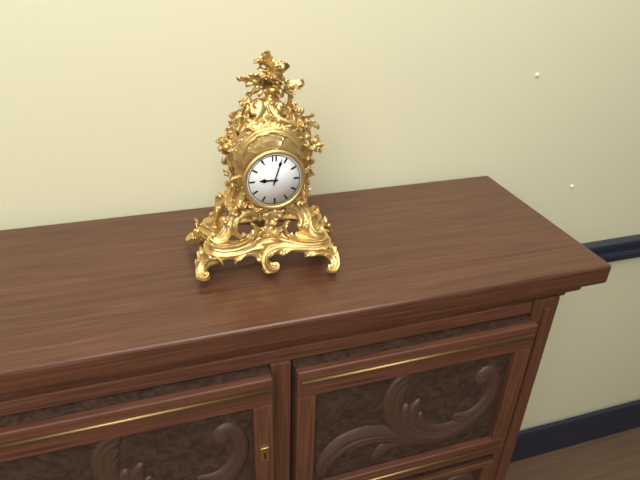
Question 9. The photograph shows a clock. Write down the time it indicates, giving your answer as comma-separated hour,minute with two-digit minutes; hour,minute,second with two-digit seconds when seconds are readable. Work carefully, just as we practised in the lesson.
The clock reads 9,03
